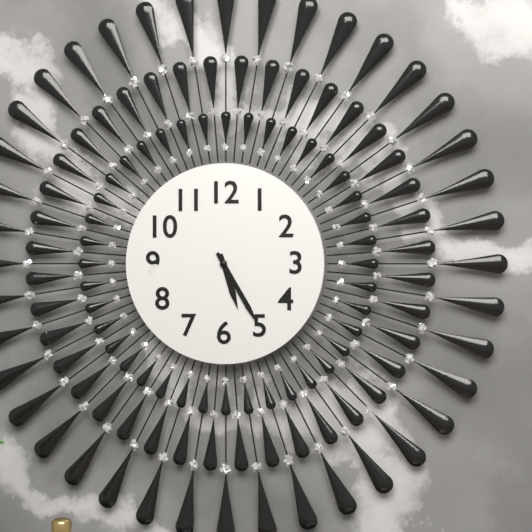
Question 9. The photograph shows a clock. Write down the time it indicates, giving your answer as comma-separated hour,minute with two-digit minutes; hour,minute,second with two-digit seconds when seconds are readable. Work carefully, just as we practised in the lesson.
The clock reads 5,25
